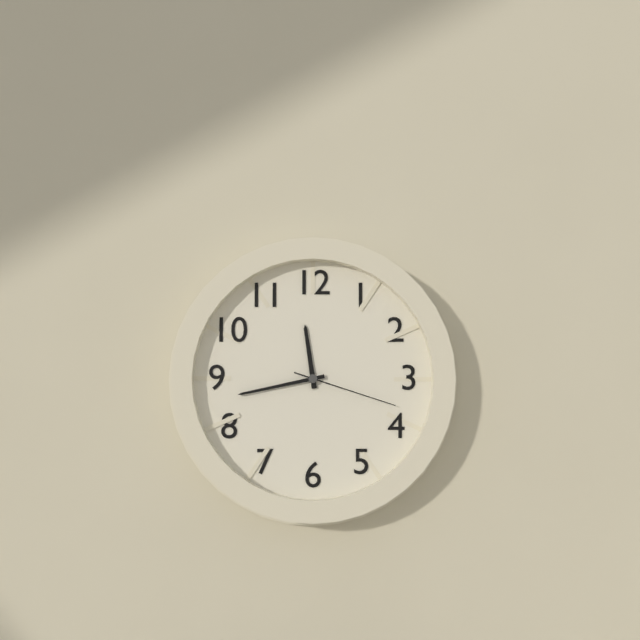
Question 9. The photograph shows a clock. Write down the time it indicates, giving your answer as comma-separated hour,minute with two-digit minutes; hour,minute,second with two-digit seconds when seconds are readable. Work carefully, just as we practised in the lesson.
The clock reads 11,43,18
